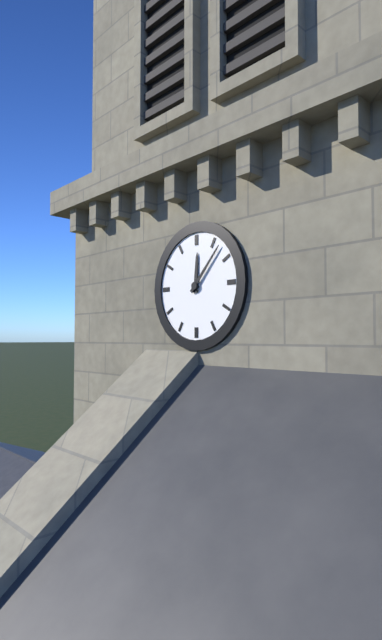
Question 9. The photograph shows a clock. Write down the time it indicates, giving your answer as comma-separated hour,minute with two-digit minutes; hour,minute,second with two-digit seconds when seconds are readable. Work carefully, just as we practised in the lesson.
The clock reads 12,07
